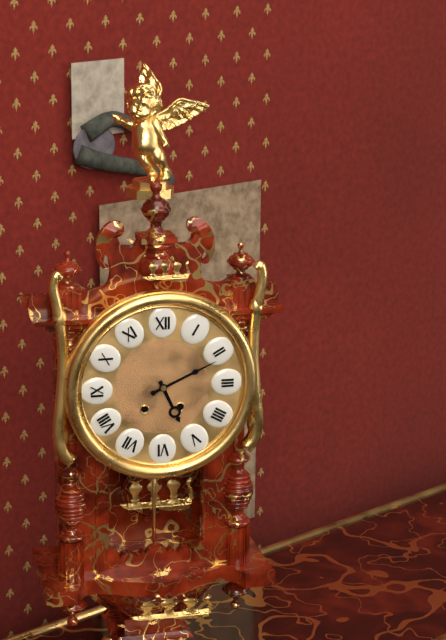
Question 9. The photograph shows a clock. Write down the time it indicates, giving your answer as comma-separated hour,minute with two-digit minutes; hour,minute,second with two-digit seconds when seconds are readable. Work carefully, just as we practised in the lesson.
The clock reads 5,11
